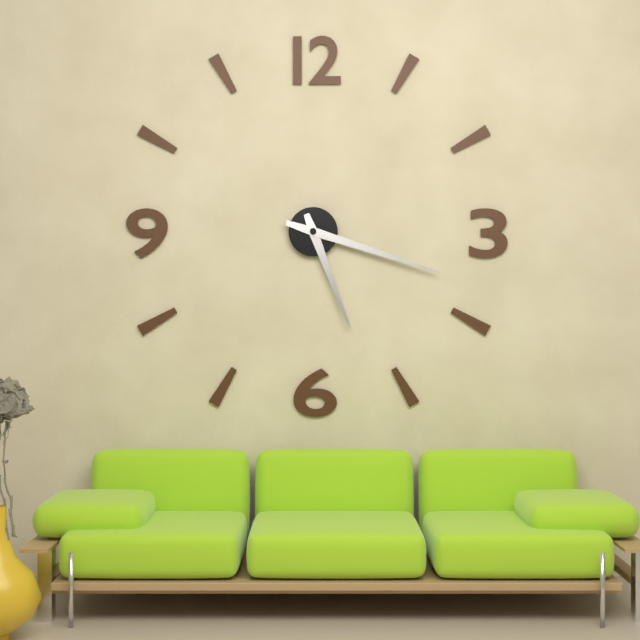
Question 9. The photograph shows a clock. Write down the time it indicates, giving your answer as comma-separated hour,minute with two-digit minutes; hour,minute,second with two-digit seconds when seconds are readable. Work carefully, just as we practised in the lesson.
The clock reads 5,18
